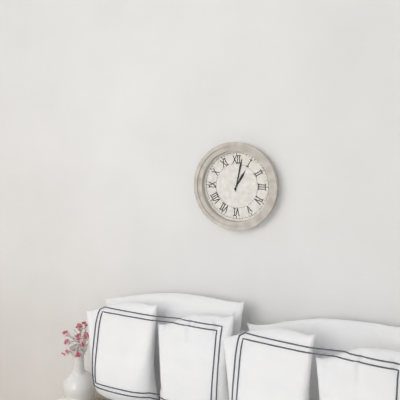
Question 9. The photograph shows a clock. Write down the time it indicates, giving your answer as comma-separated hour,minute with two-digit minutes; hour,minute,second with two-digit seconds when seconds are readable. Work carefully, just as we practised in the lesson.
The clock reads 1,02
